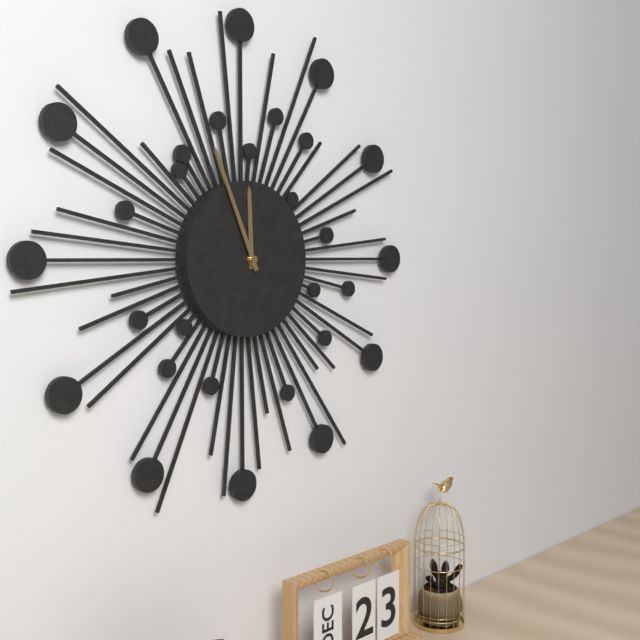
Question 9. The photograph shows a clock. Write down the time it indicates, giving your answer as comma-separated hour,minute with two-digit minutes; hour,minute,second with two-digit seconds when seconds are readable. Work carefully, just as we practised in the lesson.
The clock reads 11,56
